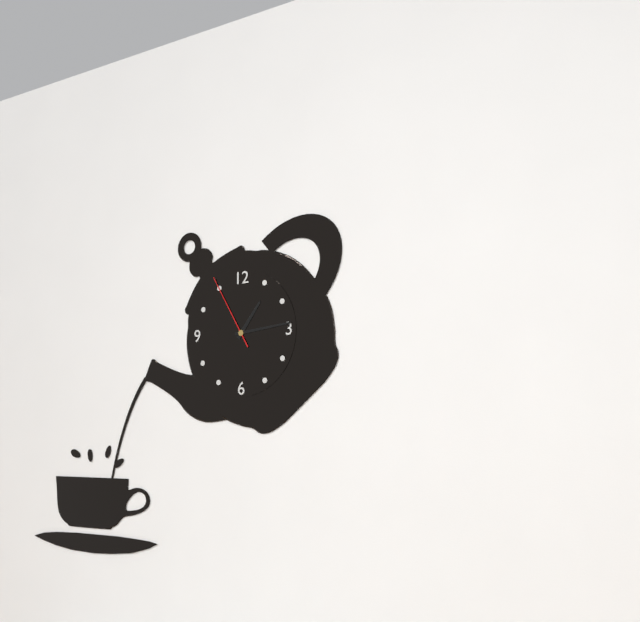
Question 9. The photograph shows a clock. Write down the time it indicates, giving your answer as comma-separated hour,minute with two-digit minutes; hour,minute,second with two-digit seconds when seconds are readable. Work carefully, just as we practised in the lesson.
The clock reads 1,14,55
